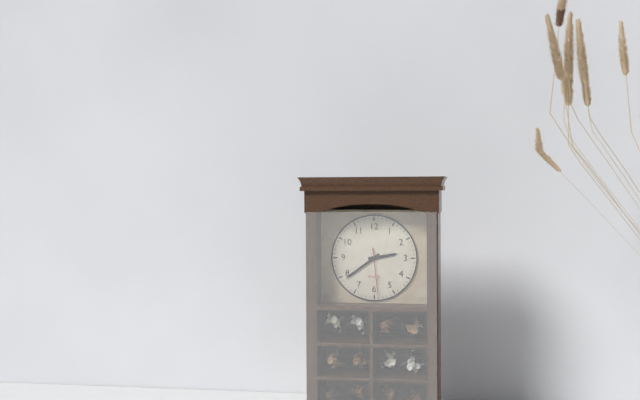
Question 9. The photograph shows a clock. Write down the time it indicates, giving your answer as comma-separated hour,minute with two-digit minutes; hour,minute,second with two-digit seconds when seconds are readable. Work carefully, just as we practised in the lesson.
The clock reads 2,39
